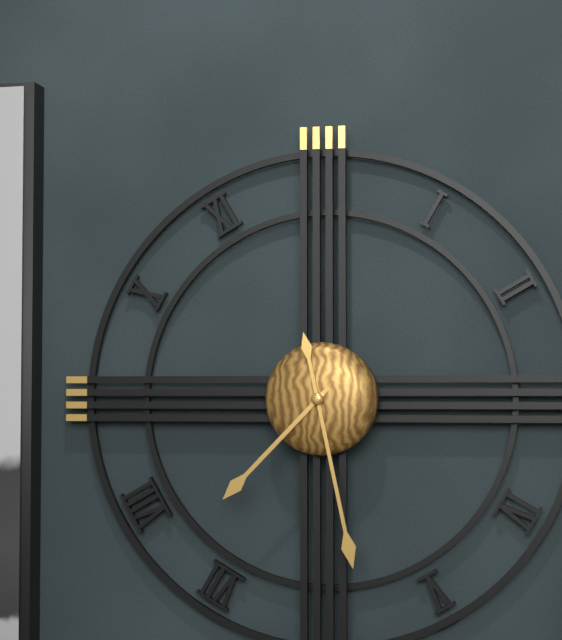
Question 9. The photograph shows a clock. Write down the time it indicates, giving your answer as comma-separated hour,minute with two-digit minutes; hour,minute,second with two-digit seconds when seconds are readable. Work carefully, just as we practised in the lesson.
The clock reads 7,28
